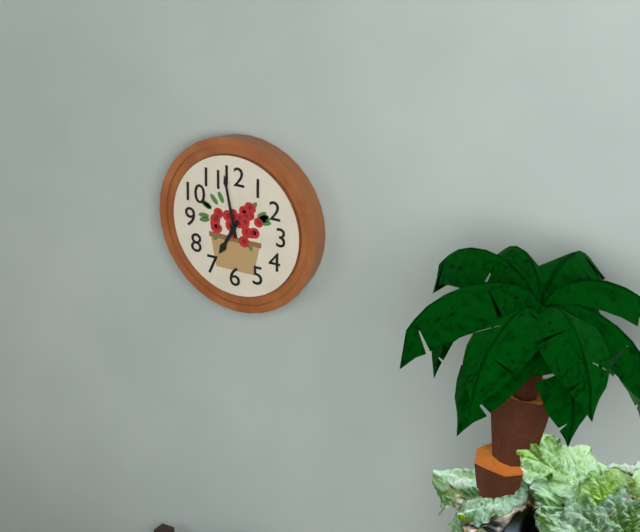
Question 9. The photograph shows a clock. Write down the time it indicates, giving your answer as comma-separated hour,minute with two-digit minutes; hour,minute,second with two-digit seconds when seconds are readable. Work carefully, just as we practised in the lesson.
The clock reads 6,58
